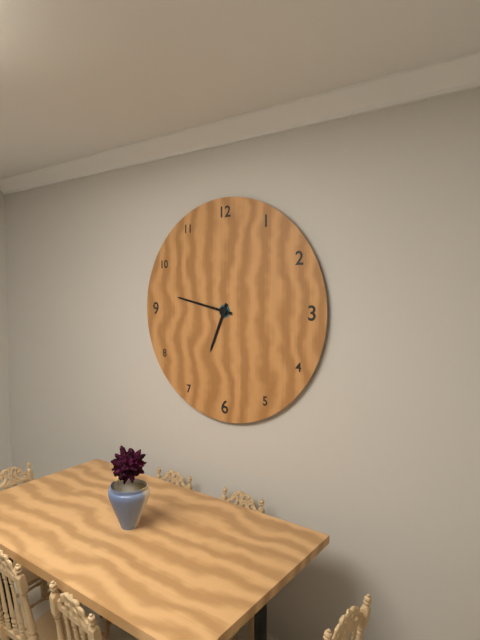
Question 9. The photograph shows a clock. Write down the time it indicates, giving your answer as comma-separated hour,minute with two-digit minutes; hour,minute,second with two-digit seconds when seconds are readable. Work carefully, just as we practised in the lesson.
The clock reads 6,47
